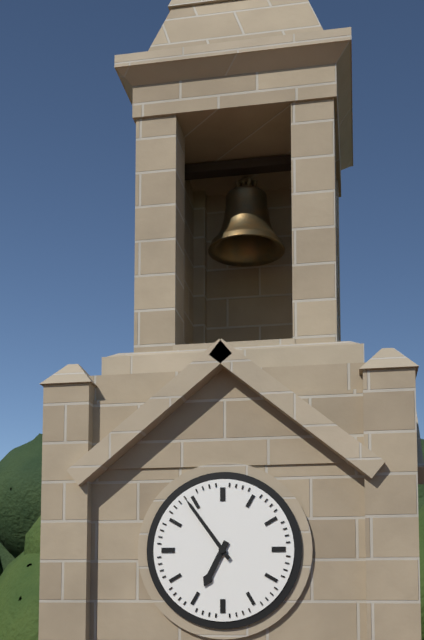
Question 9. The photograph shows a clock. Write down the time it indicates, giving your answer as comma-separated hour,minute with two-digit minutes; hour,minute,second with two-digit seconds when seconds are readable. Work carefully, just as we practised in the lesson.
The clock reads 6,54
